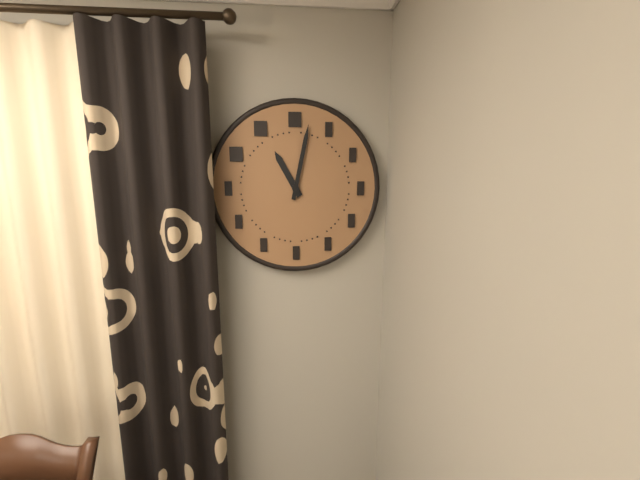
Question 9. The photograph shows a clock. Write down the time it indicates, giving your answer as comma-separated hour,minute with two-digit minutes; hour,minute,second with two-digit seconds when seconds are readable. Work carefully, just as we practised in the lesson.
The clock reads 11,02
